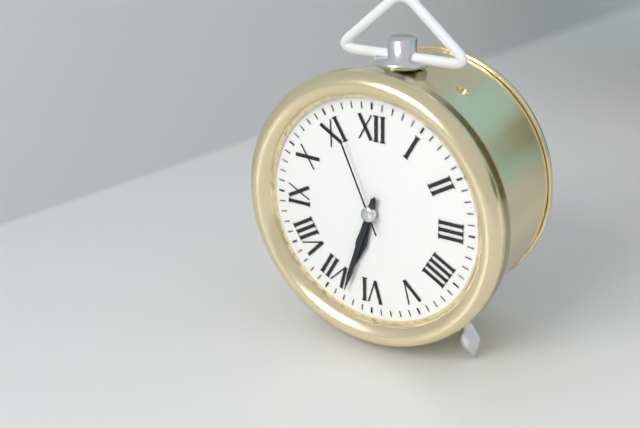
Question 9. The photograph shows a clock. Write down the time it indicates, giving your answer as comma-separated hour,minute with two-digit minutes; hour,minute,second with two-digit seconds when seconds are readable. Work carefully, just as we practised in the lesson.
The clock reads 6,33,56
